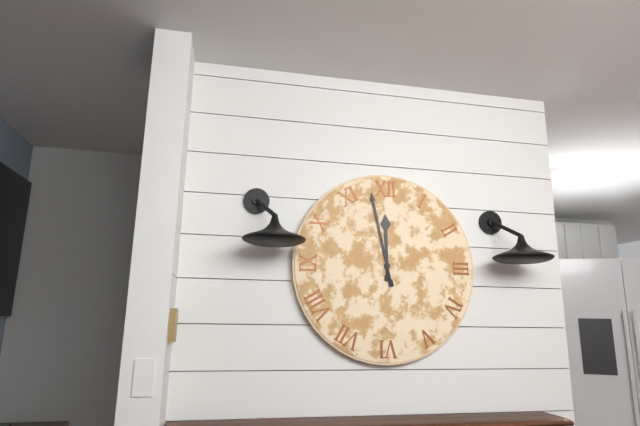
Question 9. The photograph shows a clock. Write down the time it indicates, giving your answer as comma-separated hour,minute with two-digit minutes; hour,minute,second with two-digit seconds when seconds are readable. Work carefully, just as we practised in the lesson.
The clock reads 11,58
